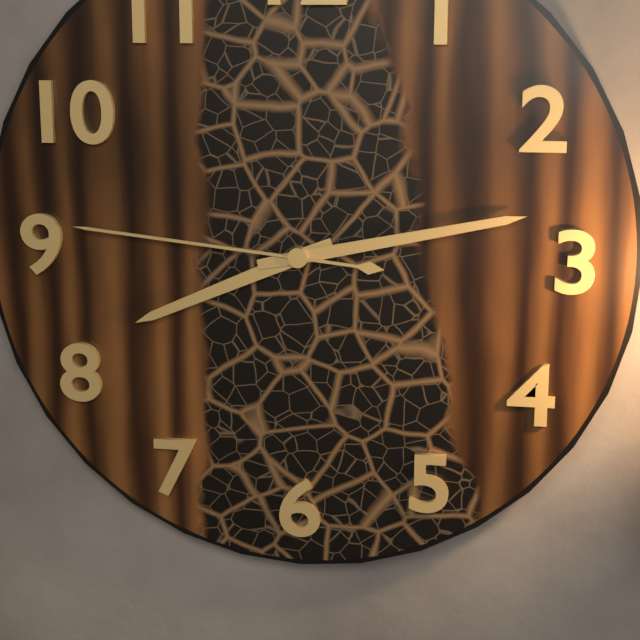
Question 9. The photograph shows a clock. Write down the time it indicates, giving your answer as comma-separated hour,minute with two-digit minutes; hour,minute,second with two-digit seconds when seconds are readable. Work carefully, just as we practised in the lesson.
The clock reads 8,13,46
